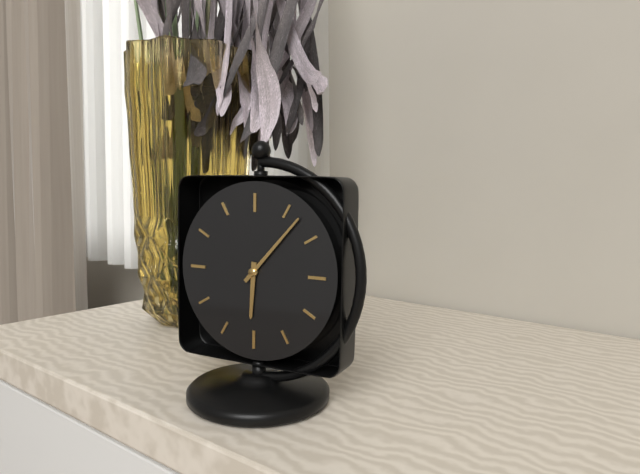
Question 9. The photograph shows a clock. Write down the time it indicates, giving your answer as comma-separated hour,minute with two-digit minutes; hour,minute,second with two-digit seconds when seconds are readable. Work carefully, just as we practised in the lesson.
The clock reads 6,07
